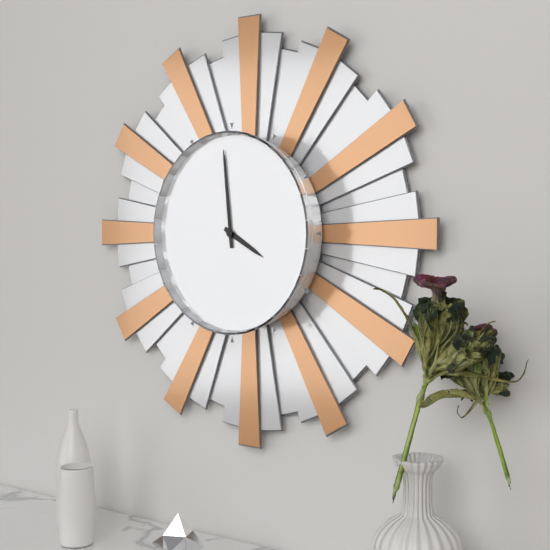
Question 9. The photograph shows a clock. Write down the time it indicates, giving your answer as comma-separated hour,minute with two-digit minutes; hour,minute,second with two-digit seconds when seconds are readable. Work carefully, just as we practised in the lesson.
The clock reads 3,59
